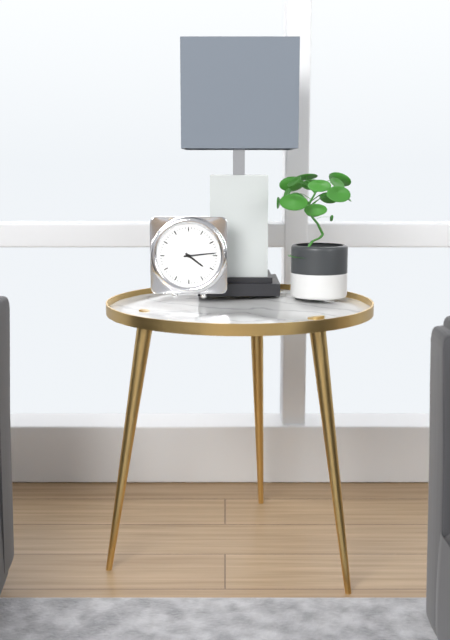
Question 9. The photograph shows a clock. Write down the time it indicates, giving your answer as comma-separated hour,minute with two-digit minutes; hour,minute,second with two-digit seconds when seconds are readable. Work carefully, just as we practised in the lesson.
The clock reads 4,14
